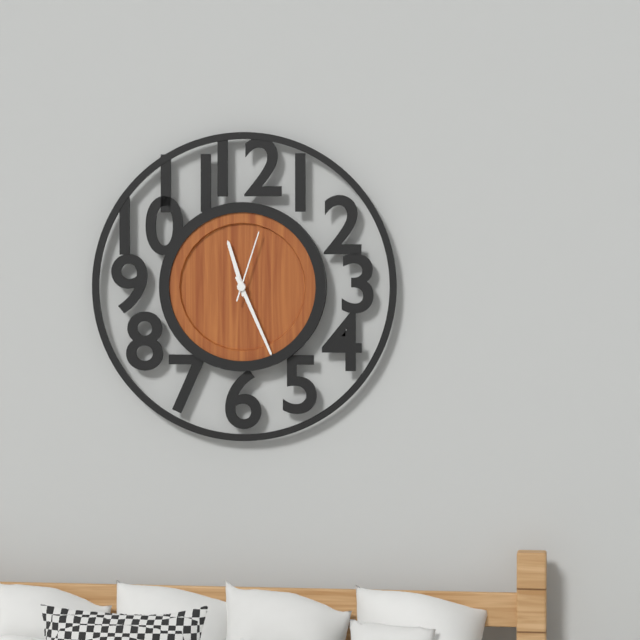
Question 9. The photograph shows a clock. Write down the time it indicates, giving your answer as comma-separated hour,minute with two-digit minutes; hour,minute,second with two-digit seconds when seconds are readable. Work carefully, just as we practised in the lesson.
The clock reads 11,26,03
